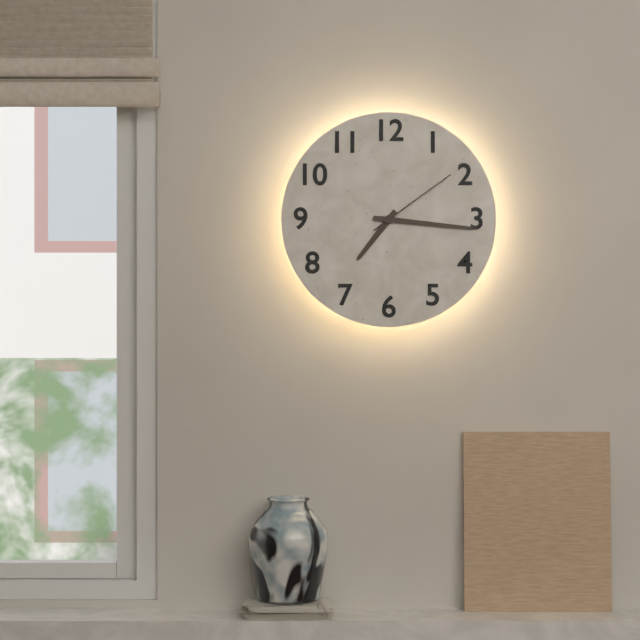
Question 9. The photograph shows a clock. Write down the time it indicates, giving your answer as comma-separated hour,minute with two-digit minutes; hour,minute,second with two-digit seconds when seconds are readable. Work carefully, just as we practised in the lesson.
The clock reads 7,16,09
